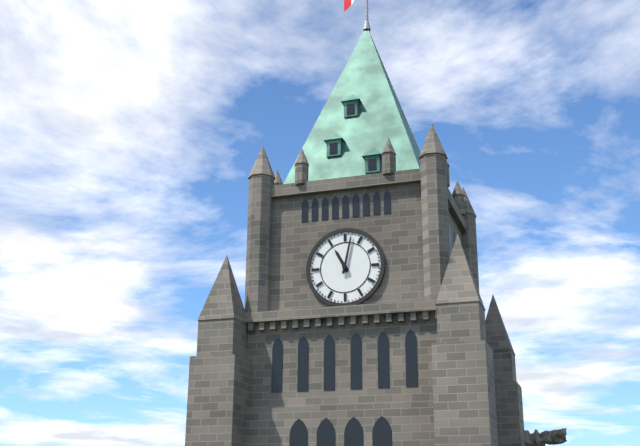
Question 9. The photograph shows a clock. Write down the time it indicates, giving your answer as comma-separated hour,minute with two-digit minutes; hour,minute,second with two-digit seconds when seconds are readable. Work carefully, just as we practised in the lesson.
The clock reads 11,02
